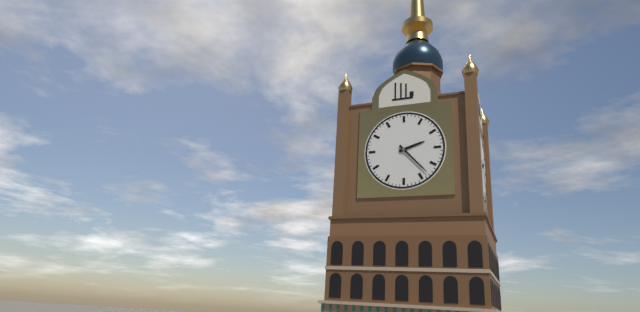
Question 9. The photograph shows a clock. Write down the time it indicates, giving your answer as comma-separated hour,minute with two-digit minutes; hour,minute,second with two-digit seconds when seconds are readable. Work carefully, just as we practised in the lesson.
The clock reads 2,23
